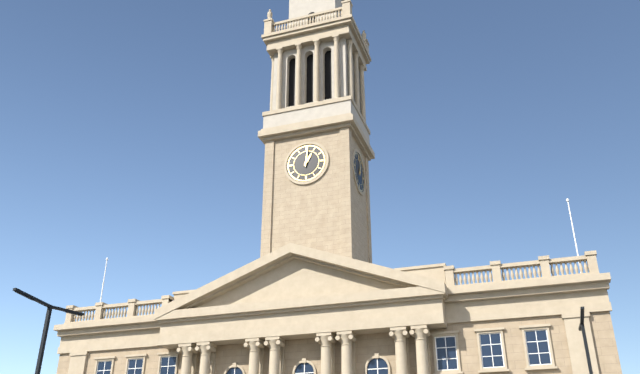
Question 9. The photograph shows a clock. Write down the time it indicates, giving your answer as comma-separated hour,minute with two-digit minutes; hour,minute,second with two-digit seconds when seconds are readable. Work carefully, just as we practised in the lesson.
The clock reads 1,01
